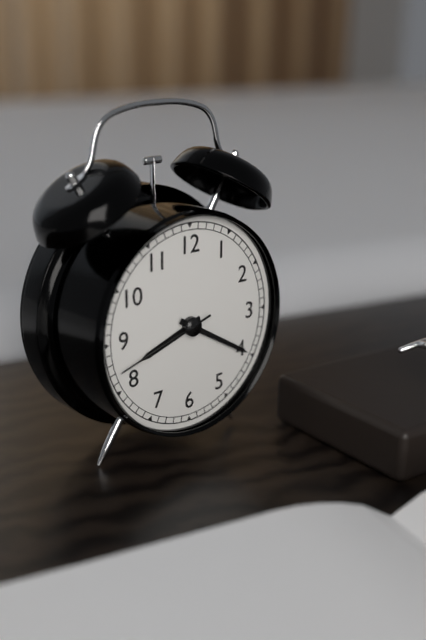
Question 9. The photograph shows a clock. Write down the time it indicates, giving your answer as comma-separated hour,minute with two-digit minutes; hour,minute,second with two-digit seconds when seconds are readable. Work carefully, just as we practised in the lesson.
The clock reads 8,20,42
